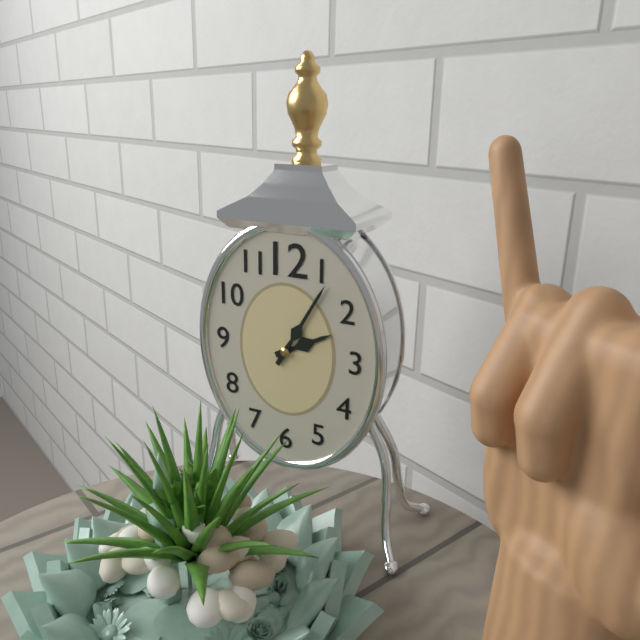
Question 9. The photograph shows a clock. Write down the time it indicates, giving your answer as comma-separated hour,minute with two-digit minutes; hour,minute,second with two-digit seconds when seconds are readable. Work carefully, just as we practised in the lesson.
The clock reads 2,05
